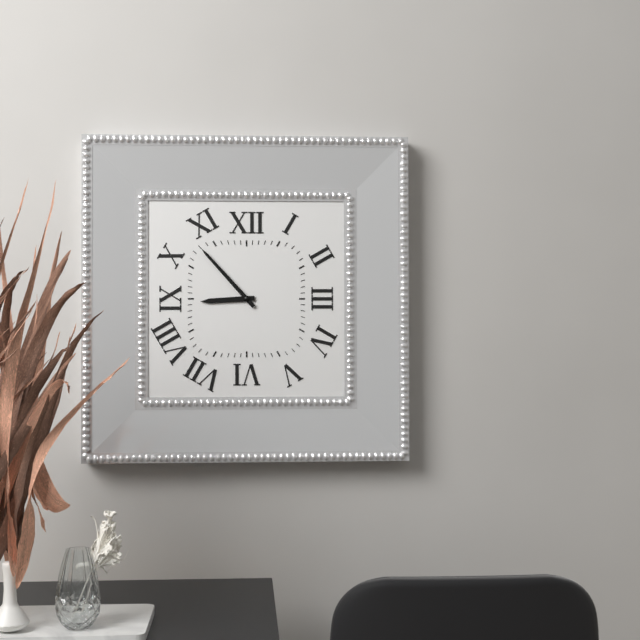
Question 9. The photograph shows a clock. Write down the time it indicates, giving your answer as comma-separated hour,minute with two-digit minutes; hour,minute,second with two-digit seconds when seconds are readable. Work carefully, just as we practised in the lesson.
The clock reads 8,53
